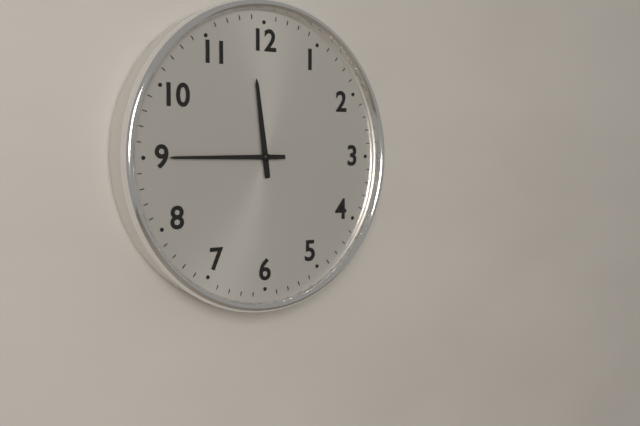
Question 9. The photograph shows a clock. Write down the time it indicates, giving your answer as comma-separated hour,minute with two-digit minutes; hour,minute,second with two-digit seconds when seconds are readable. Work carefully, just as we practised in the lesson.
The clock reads 11,45
